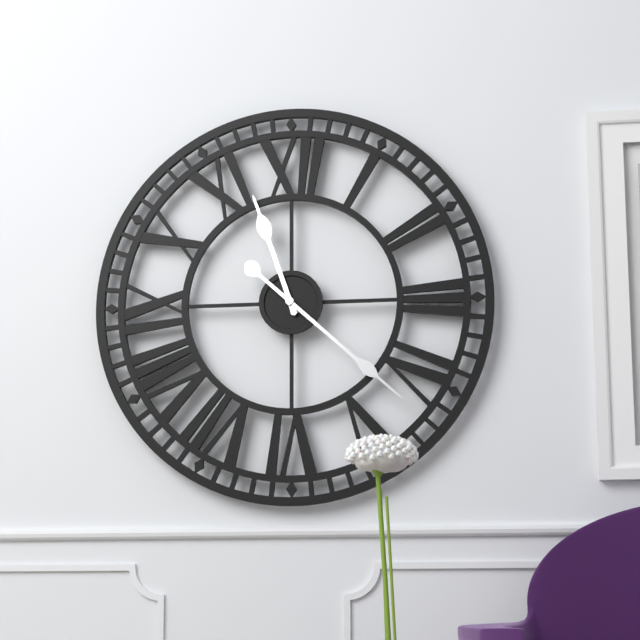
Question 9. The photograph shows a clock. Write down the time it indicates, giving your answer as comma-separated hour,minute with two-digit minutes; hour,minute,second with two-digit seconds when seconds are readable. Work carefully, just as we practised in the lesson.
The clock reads 11,22
